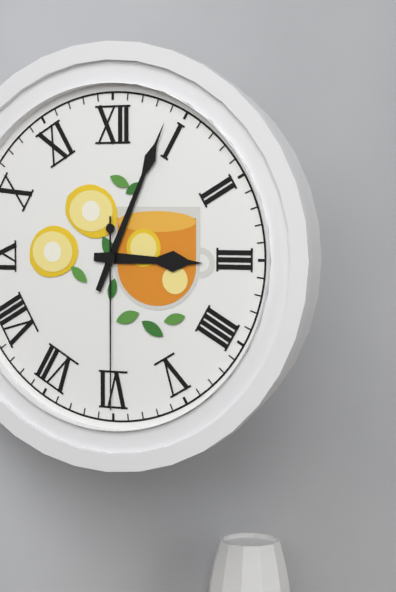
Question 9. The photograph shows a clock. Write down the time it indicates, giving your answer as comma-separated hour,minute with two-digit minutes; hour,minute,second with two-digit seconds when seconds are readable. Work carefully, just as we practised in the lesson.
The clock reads 3,04,30
